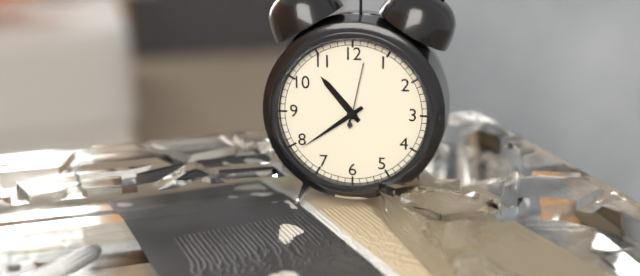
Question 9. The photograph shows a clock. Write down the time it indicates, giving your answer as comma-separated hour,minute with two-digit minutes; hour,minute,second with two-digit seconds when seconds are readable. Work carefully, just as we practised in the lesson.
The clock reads 10,39,02
